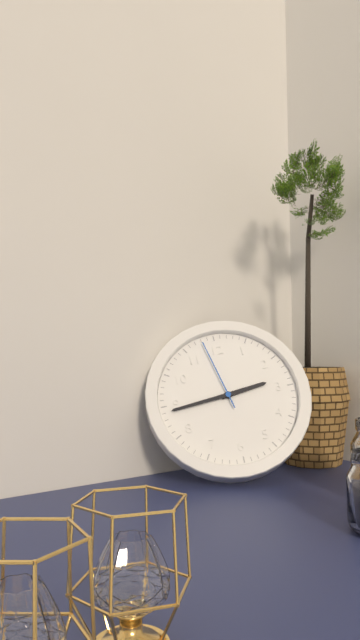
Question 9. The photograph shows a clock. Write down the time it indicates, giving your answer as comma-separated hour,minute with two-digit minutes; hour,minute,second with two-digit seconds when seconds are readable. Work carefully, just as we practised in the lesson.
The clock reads 2,44,58
